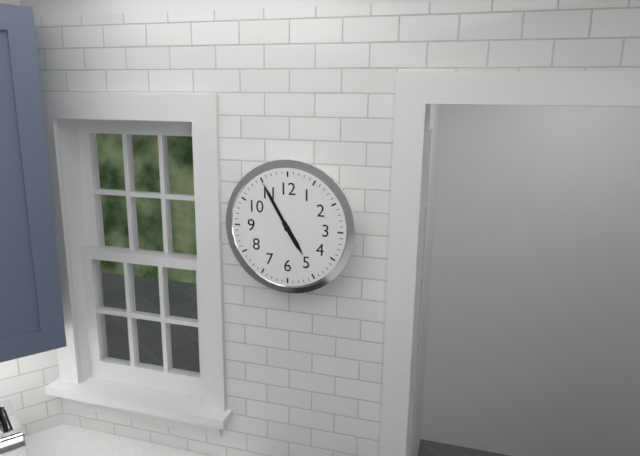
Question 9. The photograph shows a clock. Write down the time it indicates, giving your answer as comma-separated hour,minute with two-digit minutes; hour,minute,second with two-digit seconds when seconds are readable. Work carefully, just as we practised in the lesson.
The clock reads 4,55
